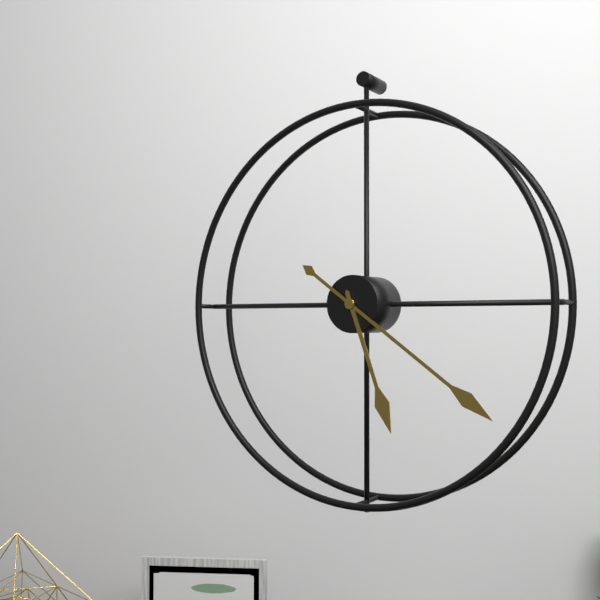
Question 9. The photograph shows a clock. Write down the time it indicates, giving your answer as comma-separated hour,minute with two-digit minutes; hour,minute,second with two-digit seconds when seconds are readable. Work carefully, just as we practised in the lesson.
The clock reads 5,21
